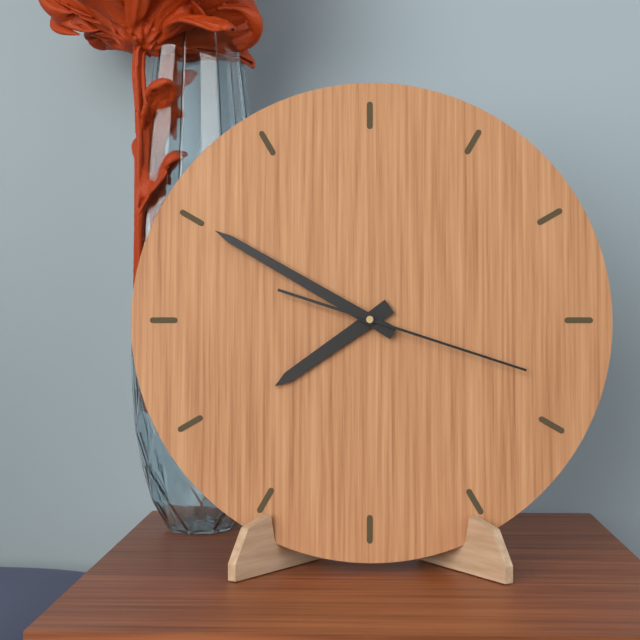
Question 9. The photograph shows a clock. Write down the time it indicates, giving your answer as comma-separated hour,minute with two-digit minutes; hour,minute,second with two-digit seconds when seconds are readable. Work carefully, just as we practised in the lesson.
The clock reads 7,50,18
